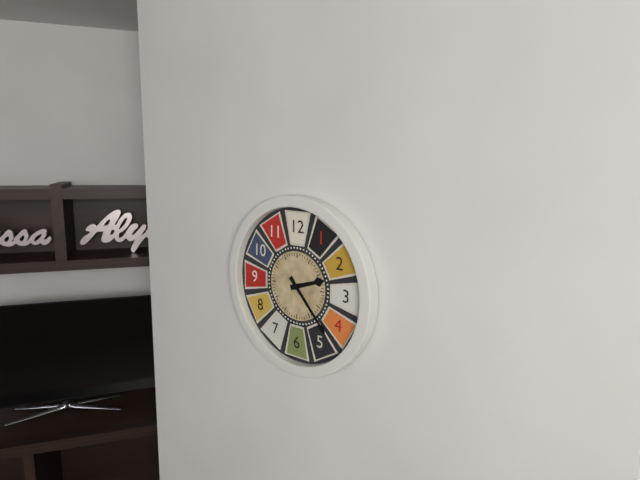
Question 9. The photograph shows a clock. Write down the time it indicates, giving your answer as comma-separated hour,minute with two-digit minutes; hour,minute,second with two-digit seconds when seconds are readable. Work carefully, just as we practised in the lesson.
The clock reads 2,23
